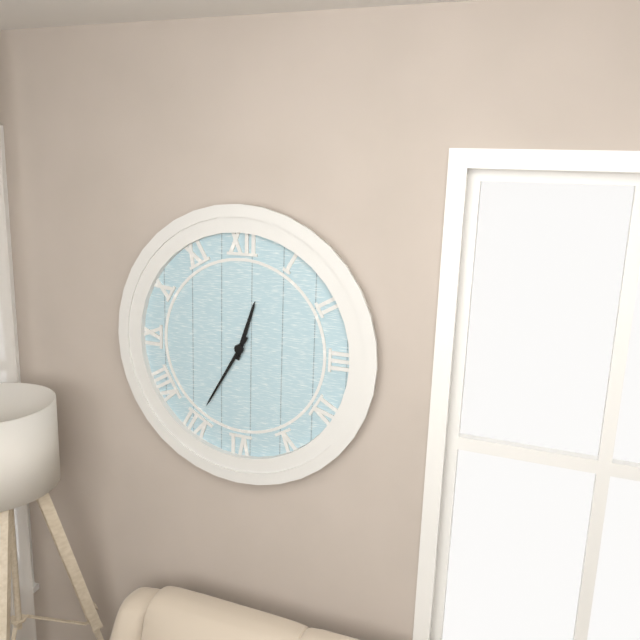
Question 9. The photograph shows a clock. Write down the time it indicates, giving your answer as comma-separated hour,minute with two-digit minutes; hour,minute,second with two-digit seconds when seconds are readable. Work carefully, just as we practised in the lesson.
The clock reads 12,35
